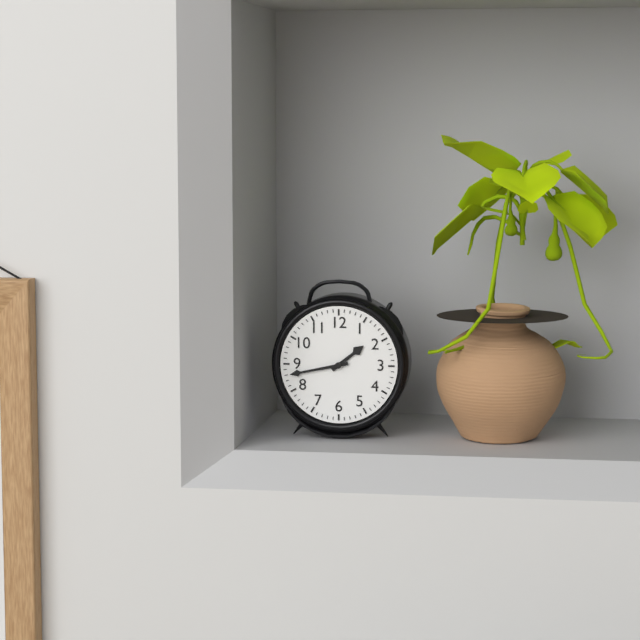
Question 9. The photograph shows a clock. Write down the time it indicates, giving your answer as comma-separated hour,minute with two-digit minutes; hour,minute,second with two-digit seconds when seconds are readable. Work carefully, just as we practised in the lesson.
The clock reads 1,43
